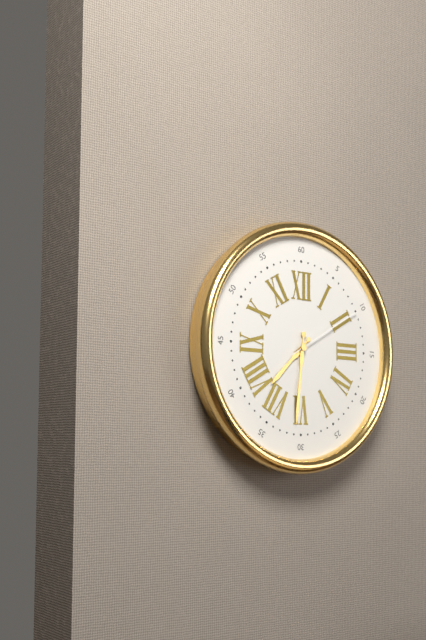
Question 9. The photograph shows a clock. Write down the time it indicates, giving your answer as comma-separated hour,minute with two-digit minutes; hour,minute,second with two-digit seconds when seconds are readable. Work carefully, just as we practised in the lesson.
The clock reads 7,31,10
